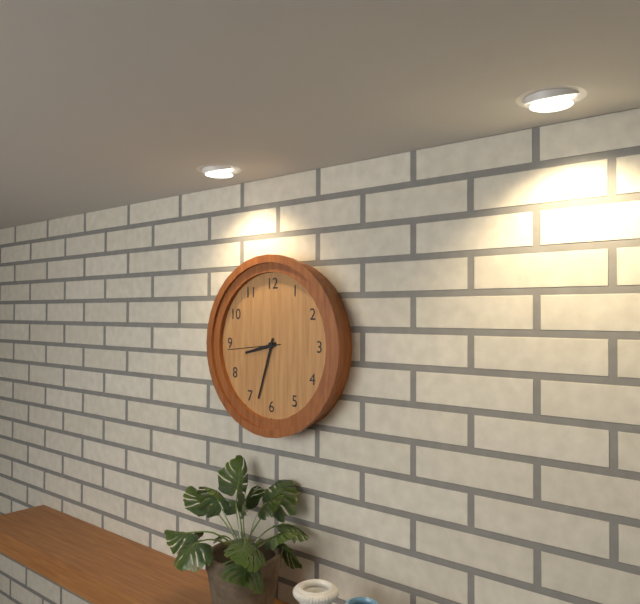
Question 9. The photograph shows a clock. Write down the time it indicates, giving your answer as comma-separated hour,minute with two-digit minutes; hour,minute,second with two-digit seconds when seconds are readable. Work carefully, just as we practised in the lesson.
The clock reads 8,33,44
